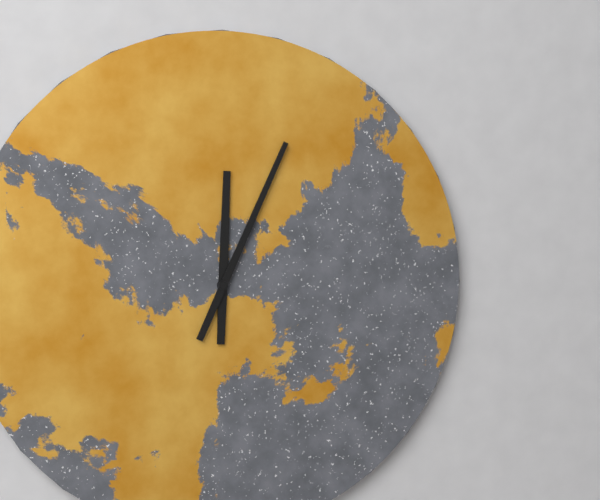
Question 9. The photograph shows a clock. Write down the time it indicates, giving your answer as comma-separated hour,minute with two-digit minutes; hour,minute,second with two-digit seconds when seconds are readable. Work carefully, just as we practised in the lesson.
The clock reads 12,04
